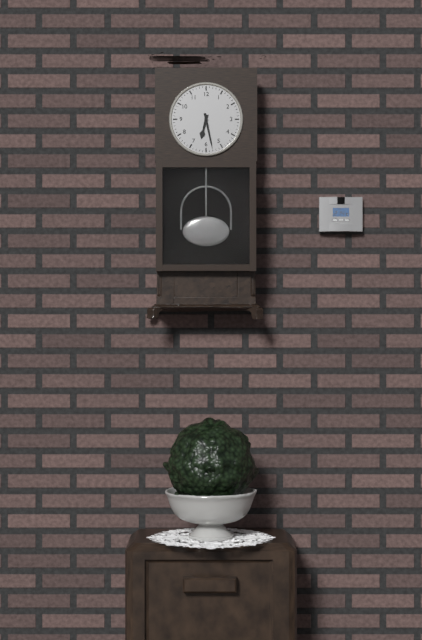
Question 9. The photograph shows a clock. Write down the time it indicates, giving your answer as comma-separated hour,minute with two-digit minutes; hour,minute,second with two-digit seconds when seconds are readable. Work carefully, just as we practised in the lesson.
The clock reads 6,28
